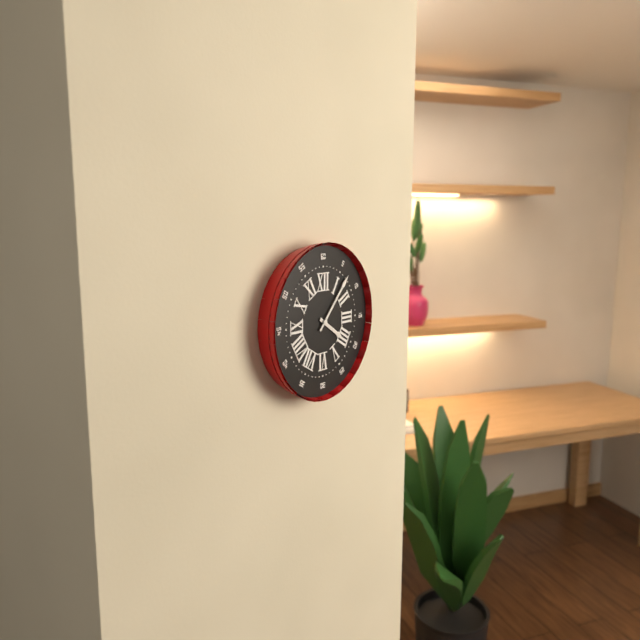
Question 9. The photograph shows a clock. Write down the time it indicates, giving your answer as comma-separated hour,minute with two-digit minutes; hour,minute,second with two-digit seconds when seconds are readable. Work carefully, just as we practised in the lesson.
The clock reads 4,07
